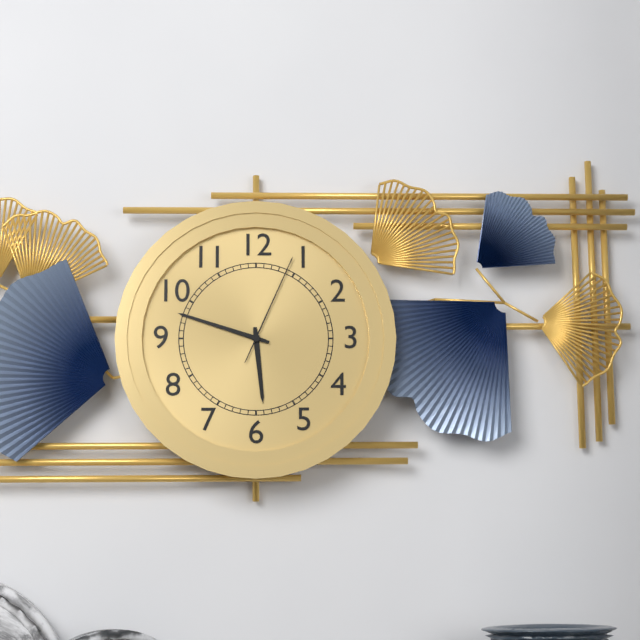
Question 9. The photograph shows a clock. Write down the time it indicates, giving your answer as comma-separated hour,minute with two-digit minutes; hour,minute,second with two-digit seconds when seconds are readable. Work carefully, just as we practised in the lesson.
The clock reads 5,48,04
